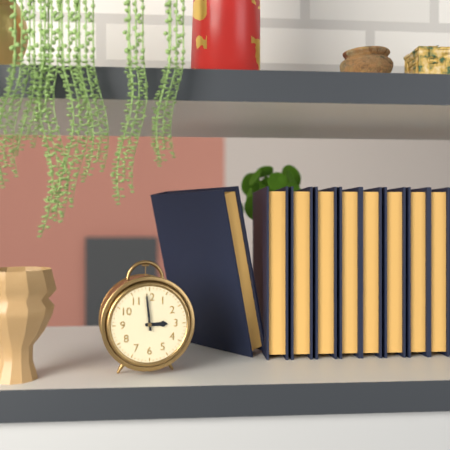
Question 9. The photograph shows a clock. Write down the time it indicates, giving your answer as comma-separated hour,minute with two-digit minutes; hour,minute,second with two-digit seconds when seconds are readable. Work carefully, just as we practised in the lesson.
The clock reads 2,59
